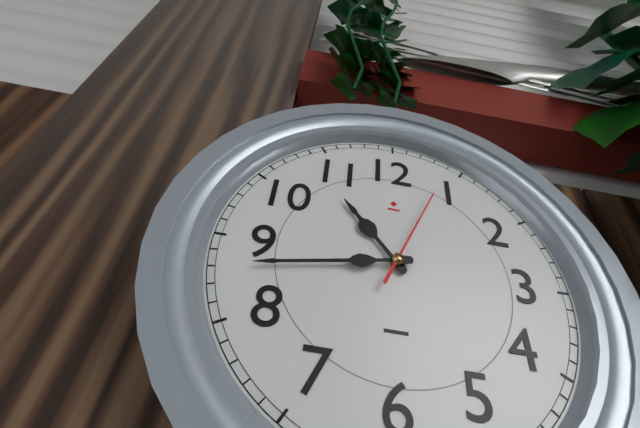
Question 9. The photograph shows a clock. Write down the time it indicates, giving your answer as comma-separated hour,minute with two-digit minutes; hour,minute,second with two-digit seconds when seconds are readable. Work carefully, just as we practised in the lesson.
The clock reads 10,43,04
